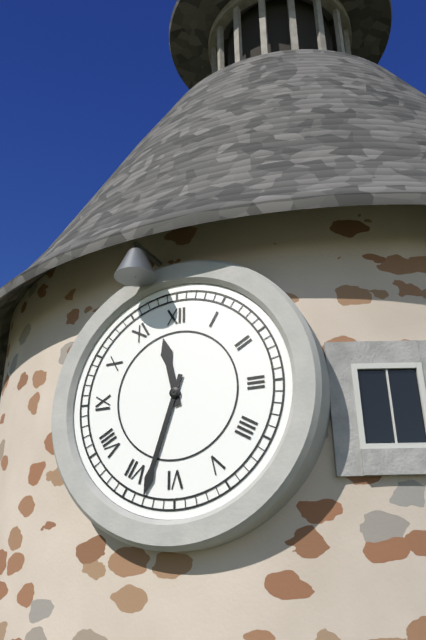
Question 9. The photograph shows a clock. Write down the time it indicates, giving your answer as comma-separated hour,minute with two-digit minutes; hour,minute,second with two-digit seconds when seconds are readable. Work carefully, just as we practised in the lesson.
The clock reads 11,33
